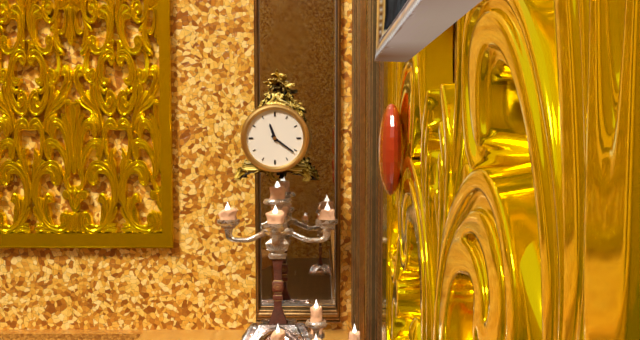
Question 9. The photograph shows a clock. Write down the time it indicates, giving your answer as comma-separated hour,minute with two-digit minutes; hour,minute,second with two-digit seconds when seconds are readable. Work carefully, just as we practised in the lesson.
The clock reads 11,21
